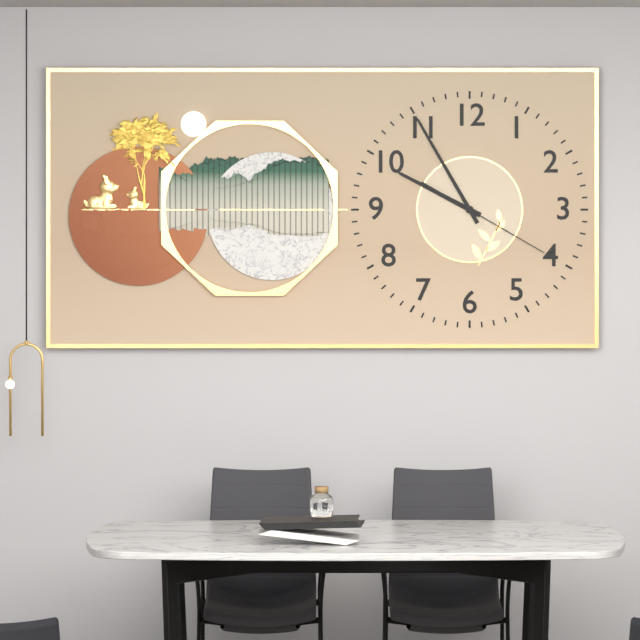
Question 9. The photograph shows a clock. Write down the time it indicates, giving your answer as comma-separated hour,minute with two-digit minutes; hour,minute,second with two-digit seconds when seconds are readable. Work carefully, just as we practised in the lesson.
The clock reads 9,55,20
